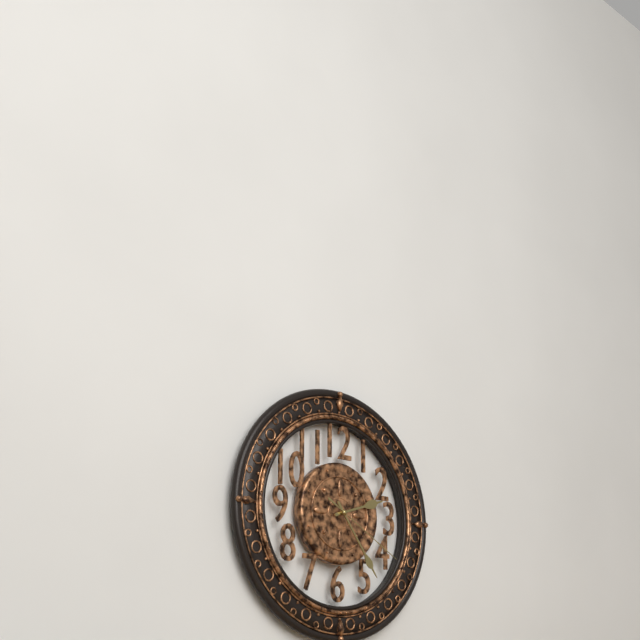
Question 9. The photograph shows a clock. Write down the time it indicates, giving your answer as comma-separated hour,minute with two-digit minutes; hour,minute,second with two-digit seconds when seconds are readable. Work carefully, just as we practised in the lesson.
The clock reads 2,24,20
